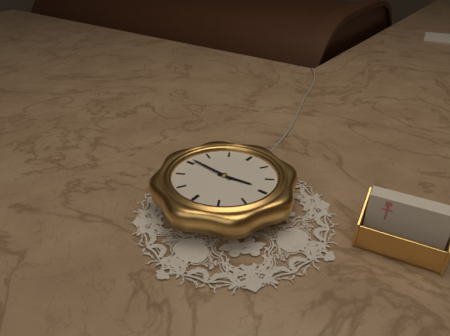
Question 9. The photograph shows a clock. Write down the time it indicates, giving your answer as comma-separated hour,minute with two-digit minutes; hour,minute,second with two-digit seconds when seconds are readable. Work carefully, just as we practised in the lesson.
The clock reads 2,46
